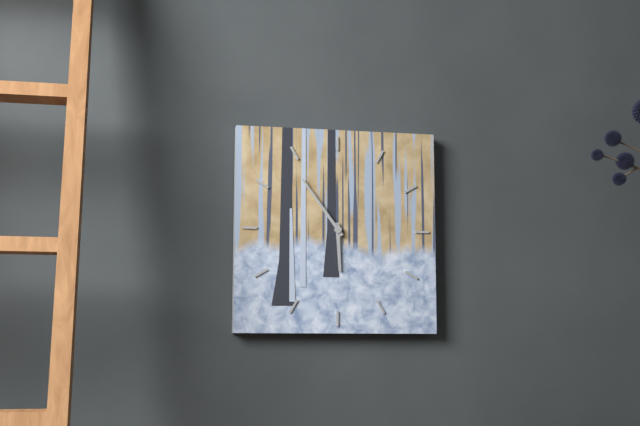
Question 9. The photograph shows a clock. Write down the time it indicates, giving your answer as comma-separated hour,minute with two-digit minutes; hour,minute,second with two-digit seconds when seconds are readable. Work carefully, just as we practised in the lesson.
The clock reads 5,54
